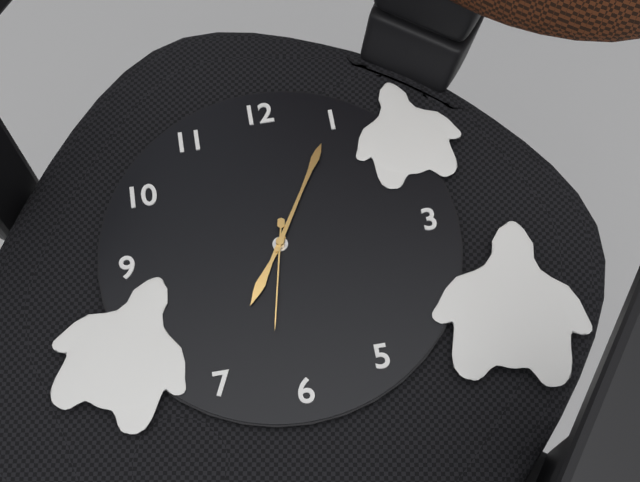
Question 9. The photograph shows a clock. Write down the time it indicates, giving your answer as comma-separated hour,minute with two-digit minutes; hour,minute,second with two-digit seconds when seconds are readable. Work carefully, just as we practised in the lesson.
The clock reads 7,05,32
